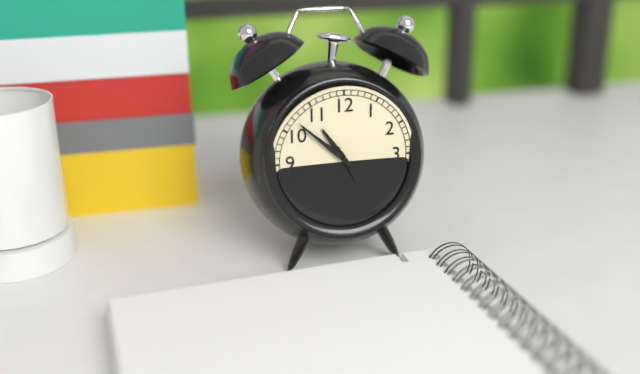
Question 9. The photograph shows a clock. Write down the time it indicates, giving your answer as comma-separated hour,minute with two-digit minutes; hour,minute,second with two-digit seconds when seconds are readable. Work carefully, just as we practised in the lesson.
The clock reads 10,52
